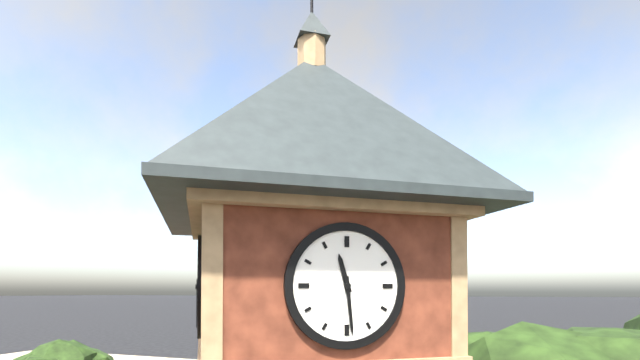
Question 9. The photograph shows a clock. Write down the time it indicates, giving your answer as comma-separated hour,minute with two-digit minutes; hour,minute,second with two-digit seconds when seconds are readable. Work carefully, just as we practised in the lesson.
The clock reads 11,29
